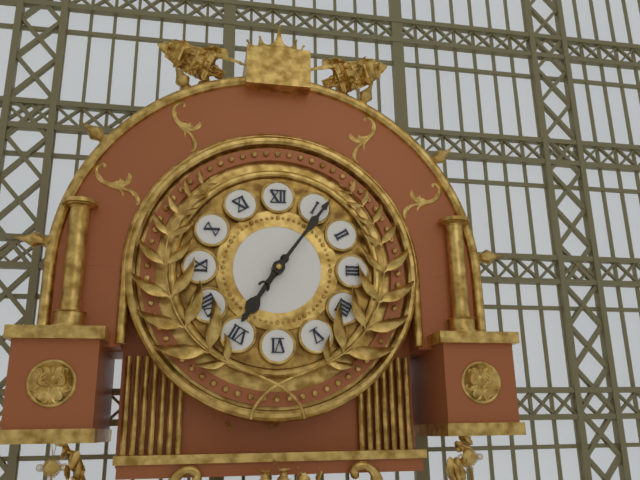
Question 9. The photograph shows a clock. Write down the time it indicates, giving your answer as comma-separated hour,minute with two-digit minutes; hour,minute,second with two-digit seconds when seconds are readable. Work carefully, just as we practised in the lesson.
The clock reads 7,06
